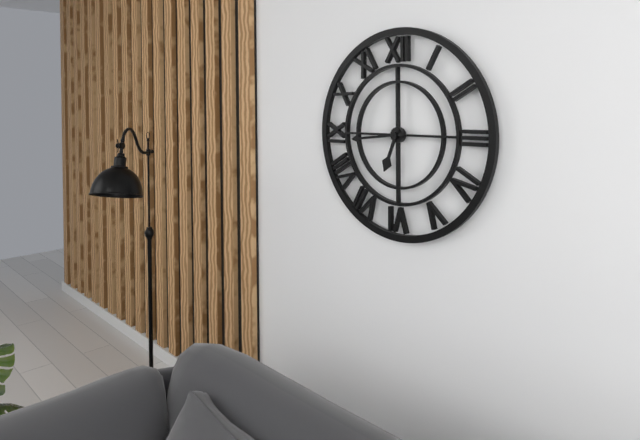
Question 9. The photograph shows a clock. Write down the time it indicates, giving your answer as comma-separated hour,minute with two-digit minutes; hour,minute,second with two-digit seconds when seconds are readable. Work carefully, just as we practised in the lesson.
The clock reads 6,44
